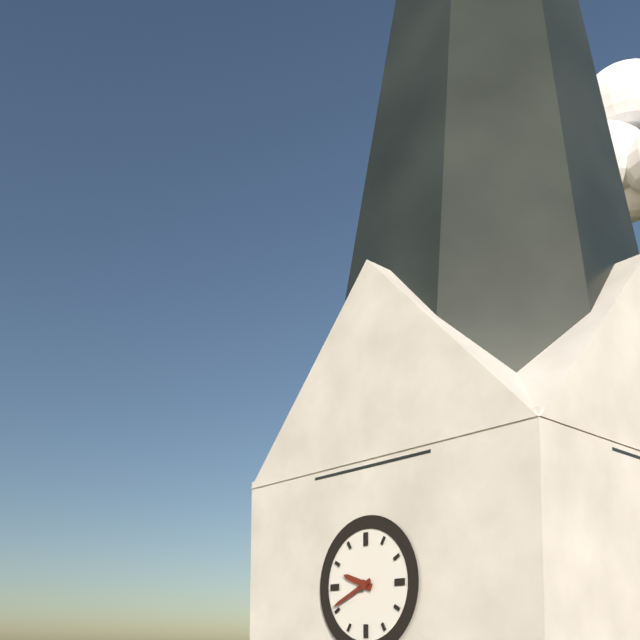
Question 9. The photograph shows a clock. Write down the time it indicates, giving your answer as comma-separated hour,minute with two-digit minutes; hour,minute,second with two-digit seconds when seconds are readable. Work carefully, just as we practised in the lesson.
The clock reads 9,41
